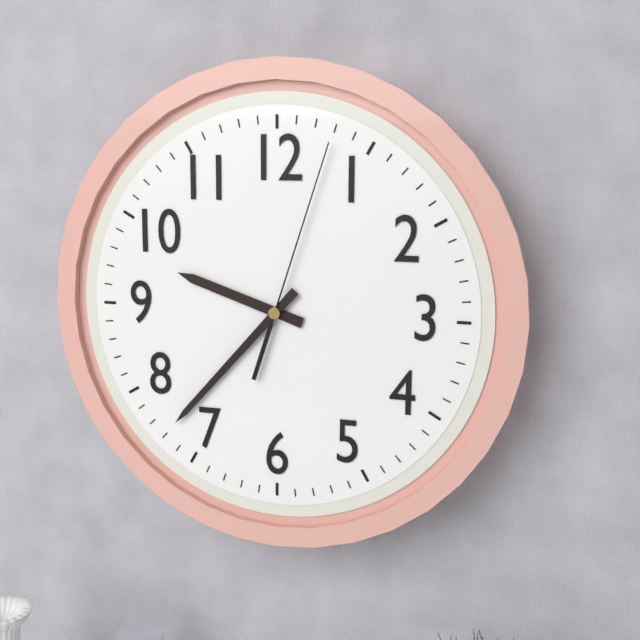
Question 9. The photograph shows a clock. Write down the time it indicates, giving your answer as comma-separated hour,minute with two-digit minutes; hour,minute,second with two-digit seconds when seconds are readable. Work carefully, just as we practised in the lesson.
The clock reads 9,37,03
